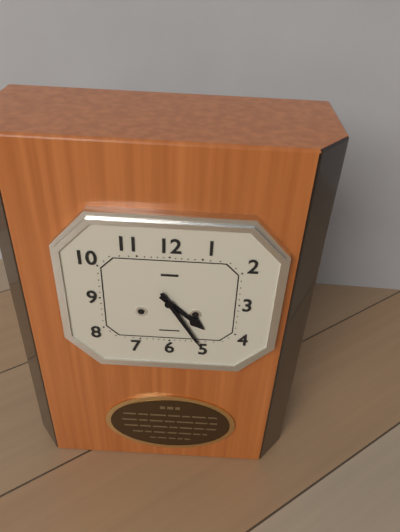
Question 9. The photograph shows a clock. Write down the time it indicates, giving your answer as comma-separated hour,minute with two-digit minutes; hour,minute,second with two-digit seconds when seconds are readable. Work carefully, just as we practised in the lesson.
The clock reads 4,25
